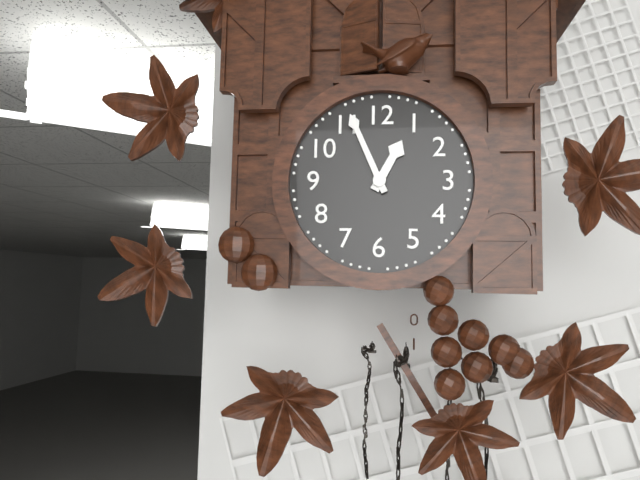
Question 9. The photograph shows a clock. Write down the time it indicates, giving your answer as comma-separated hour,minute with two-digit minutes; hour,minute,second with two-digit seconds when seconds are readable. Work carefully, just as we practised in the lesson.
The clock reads 12,56
